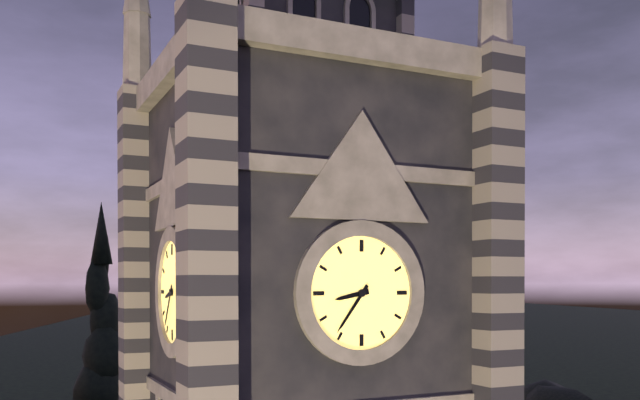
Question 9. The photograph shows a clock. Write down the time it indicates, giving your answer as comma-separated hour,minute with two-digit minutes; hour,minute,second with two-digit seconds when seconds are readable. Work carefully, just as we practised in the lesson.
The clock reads 8,36
